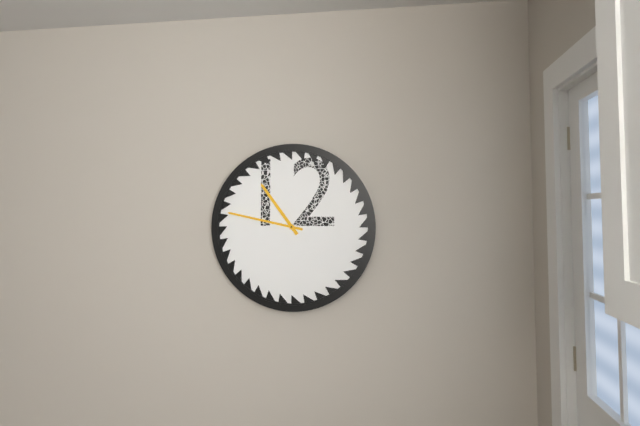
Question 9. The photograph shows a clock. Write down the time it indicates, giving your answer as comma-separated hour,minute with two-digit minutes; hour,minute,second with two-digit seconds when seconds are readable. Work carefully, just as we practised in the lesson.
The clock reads 10,47
